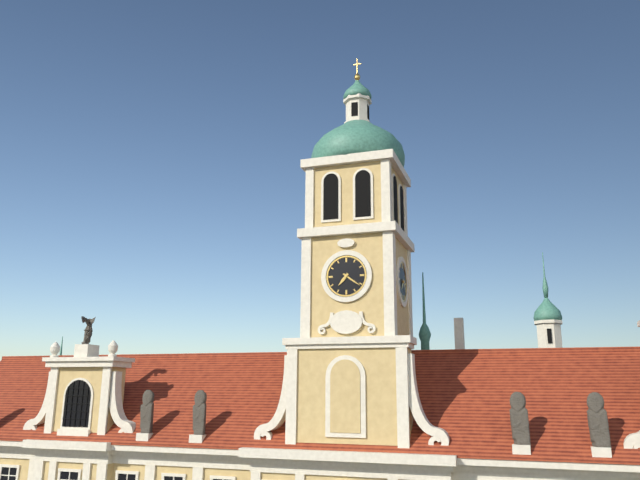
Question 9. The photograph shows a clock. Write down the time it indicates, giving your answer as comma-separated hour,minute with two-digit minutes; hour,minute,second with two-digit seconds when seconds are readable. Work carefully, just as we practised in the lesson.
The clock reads 7,21
